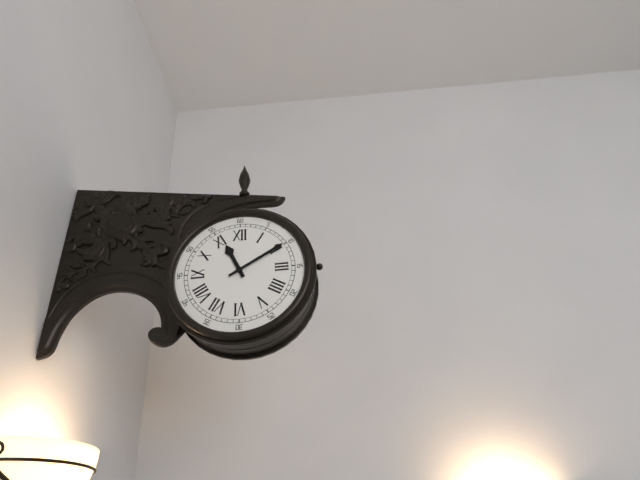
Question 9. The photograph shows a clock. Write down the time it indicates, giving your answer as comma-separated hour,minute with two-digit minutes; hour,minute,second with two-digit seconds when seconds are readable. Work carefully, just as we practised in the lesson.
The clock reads 11,10
